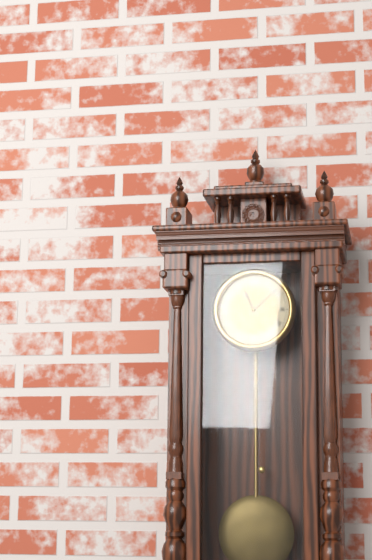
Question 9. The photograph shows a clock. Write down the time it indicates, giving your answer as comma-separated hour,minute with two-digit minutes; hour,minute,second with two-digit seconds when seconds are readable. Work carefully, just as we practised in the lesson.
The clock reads 11,08
